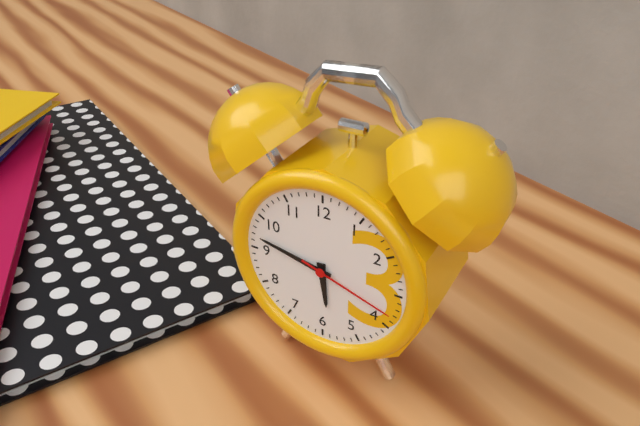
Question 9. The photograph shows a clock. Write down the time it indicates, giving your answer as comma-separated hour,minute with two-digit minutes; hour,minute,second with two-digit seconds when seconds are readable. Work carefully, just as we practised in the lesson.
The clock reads 5,47,18
